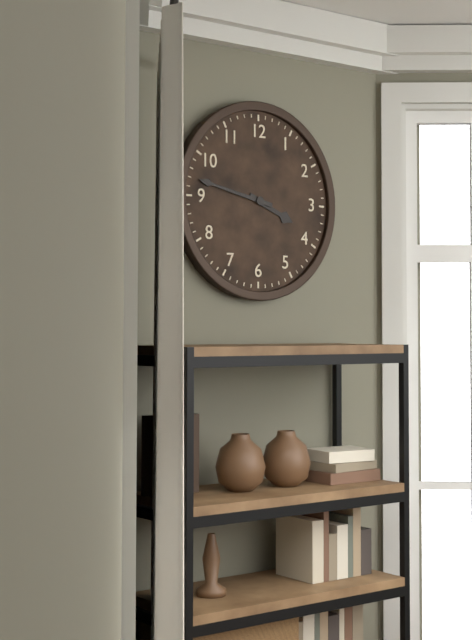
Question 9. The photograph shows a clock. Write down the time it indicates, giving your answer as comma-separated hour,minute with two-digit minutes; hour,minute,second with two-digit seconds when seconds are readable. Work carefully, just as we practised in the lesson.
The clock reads 3,47
